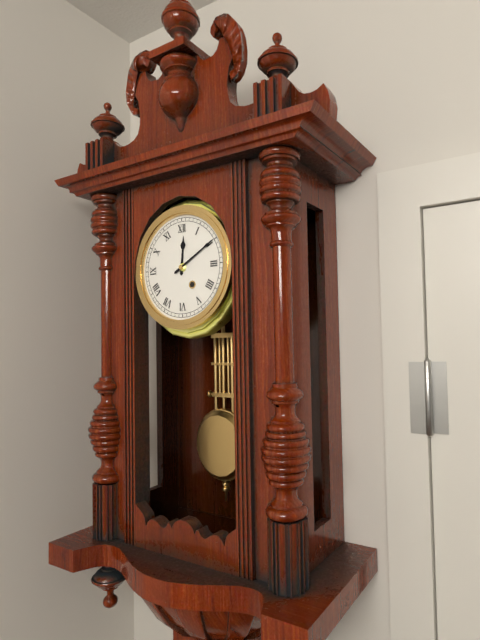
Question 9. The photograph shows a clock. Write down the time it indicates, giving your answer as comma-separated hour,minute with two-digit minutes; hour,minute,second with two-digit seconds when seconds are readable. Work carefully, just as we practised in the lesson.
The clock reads 12,10
